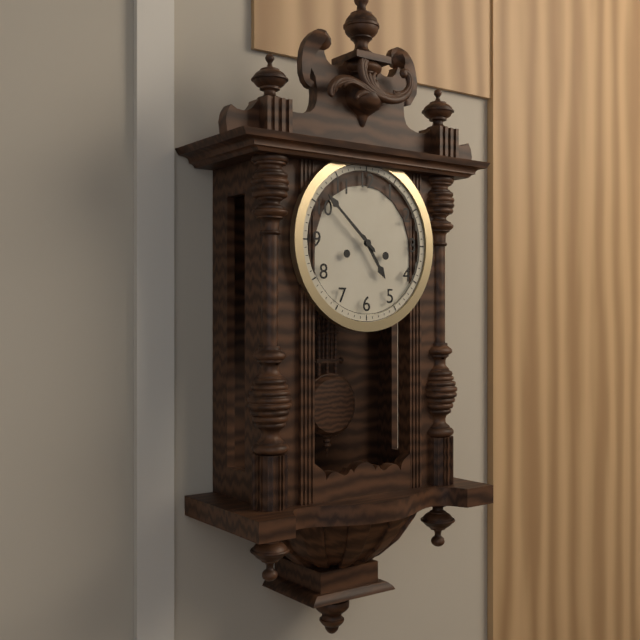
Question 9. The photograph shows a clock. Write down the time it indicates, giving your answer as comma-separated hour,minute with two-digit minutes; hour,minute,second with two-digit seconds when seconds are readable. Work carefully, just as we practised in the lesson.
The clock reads 4,52
